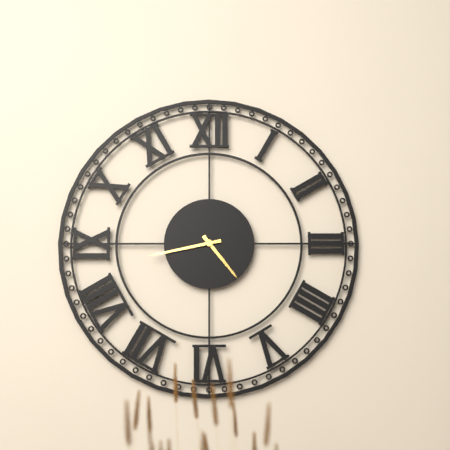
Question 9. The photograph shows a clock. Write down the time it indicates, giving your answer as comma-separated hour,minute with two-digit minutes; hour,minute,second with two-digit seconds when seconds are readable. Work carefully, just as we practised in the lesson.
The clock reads 4,43
